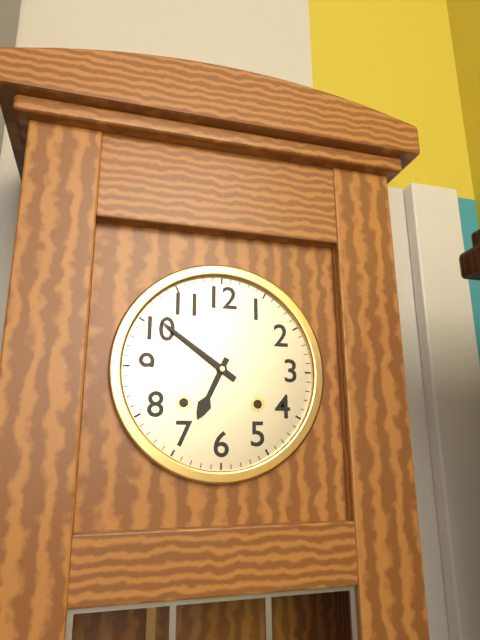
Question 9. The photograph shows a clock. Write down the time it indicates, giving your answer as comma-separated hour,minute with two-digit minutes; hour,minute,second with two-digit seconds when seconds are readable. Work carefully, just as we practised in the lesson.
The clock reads 6,51
